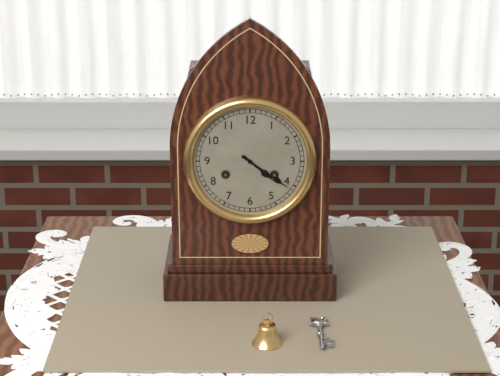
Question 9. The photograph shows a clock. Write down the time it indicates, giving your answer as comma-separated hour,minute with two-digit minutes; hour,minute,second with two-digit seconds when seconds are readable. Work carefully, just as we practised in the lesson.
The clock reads 4,21
